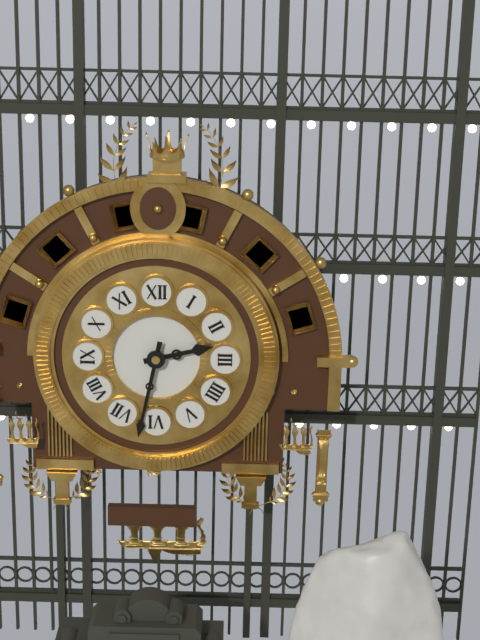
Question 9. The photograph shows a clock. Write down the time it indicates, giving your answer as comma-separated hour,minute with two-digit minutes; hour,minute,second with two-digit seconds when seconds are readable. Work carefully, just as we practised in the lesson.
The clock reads 2,32
